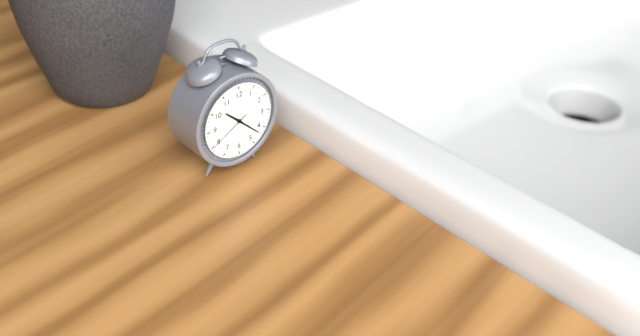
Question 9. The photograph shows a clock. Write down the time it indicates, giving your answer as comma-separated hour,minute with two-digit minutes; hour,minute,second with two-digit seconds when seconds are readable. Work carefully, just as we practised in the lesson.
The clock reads 10,22
